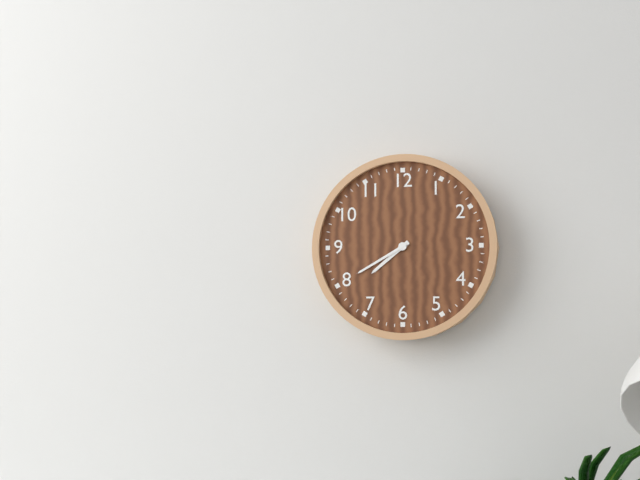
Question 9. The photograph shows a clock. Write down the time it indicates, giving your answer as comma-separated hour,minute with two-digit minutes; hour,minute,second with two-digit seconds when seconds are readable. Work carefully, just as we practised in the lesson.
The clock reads 7,40
